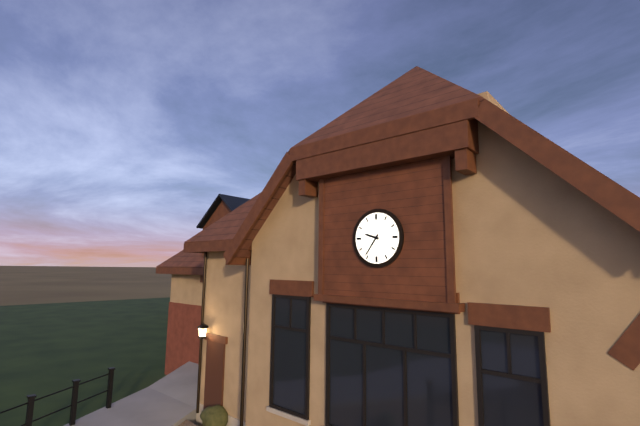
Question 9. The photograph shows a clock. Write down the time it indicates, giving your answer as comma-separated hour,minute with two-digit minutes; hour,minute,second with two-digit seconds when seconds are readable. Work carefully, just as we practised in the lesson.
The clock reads 9,36
